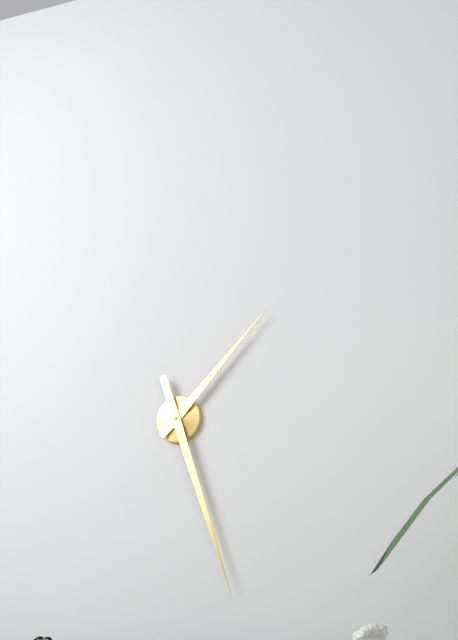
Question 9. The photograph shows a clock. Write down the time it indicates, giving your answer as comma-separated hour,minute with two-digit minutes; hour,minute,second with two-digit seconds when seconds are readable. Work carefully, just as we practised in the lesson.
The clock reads 1,27
